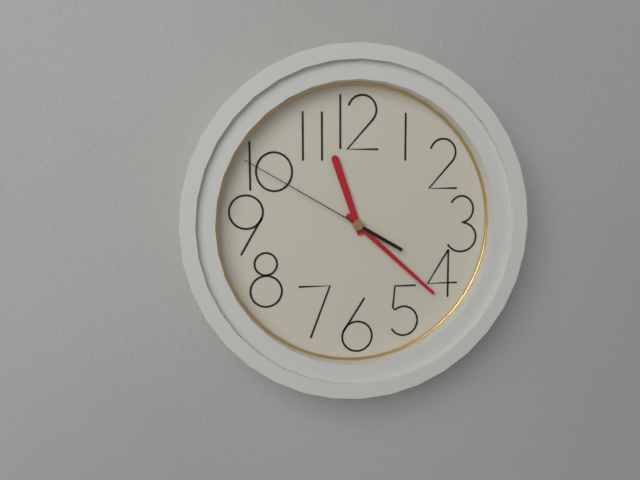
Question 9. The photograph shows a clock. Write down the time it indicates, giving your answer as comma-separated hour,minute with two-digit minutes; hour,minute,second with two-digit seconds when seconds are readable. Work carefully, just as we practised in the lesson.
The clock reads 11,22,50
